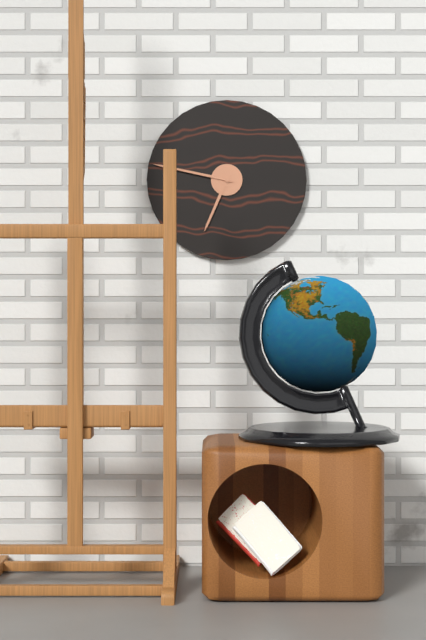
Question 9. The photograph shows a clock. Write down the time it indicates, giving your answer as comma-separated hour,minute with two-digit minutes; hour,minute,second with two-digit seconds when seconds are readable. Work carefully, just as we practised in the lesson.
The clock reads 6,47
